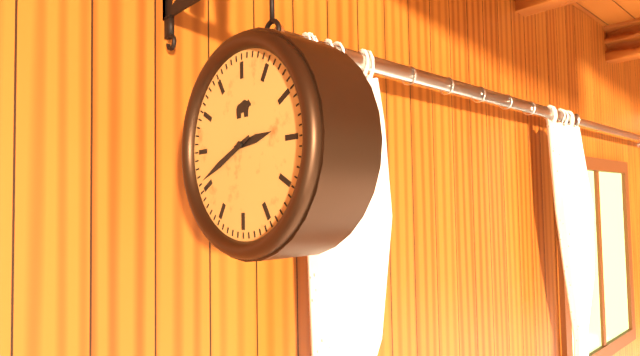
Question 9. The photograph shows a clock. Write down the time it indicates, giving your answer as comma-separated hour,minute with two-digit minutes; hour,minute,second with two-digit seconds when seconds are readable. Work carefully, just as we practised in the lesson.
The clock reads 2,41
